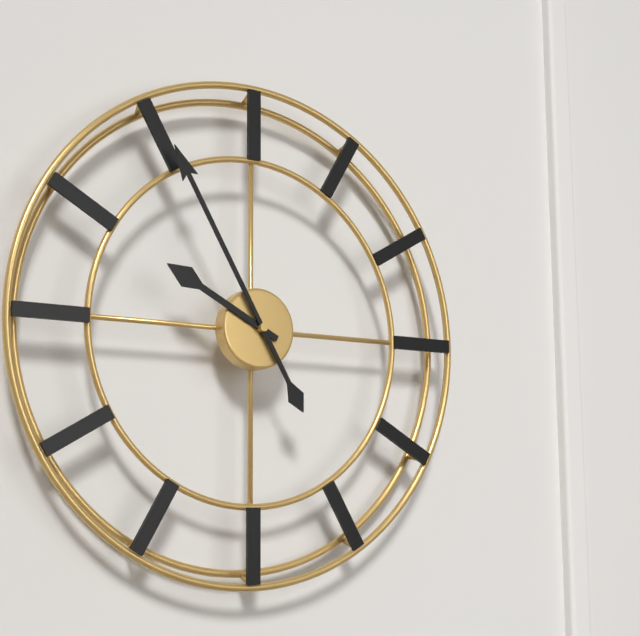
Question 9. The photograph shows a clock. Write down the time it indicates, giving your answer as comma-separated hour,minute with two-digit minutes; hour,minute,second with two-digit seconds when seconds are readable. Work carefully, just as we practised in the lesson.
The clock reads 9,55
